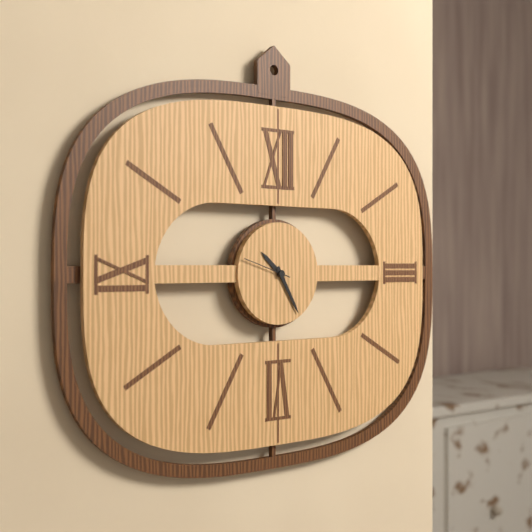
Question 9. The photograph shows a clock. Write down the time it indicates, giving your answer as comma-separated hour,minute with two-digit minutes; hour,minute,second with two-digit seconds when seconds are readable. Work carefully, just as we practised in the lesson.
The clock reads 10,25
